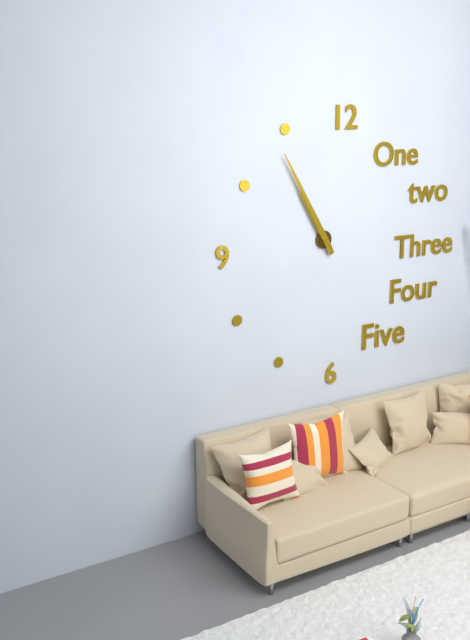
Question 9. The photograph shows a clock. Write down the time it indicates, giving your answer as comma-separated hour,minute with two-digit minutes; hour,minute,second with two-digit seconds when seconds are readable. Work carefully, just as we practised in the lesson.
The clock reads 10,55
